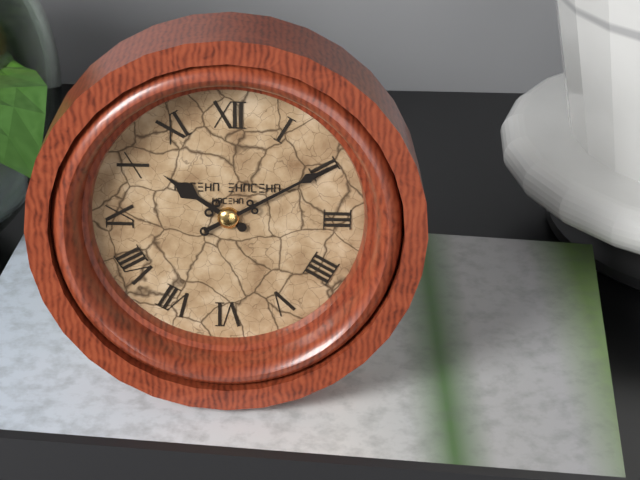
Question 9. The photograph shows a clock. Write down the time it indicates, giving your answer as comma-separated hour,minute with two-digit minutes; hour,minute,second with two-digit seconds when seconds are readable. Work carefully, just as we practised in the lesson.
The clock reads 10,10
